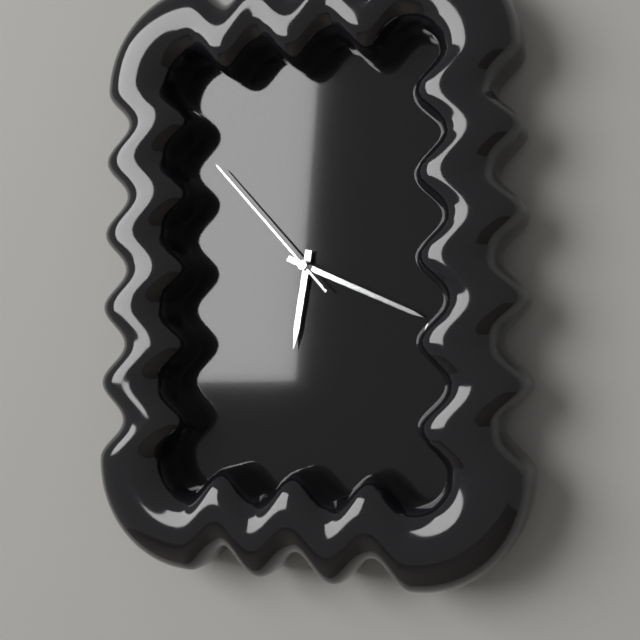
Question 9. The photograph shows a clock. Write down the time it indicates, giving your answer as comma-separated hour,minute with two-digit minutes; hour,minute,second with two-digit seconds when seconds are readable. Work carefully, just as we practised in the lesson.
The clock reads 6,19,53
